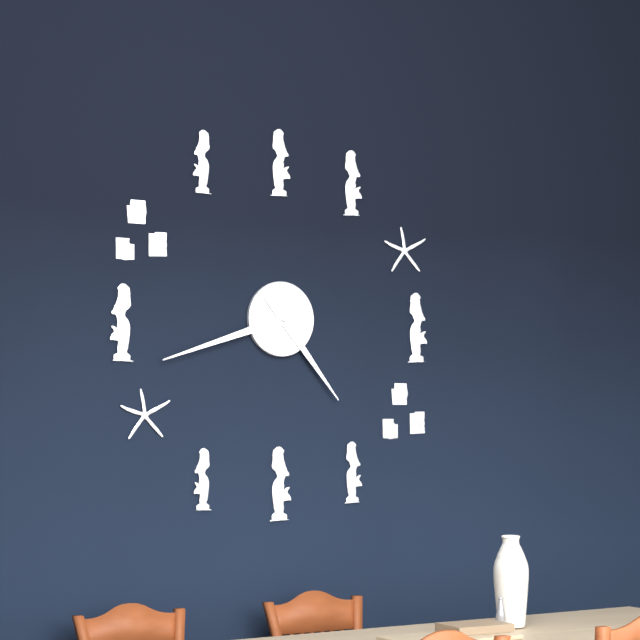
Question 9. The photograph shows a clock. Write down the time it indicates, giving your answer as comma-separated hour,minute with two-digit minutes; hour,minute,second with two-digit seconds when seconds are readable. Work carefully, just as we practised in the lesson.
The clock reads 4,42
